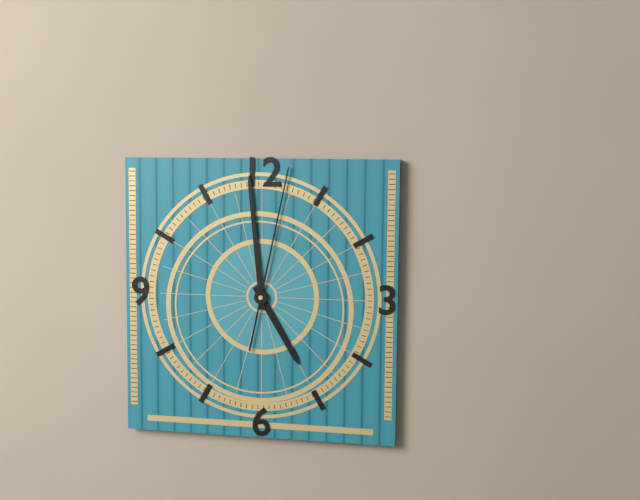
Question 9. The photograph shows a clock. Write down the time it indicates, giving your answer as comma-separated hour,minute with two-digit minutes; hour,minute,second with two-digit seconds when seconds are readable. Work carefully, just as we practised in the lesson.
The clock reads 4,59,02
